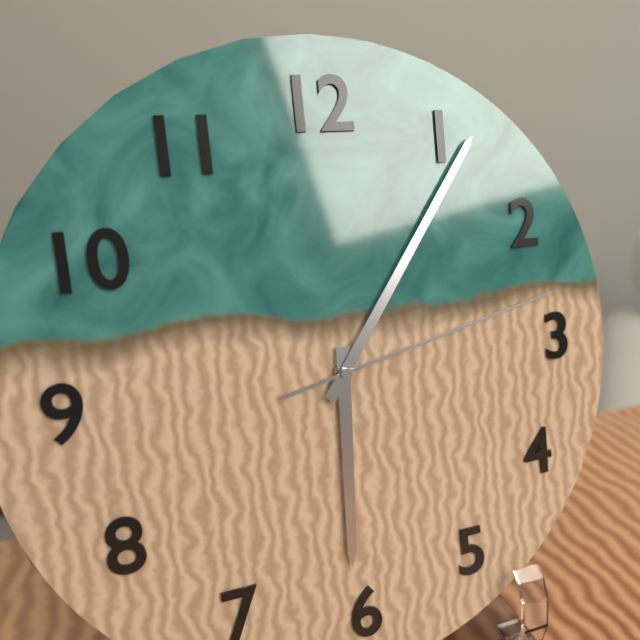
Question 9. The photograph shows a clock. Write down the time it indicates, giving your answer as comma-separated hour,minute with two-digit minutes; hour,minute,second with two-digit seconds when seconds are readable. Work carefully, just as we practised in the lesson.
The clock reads 6,06,13
